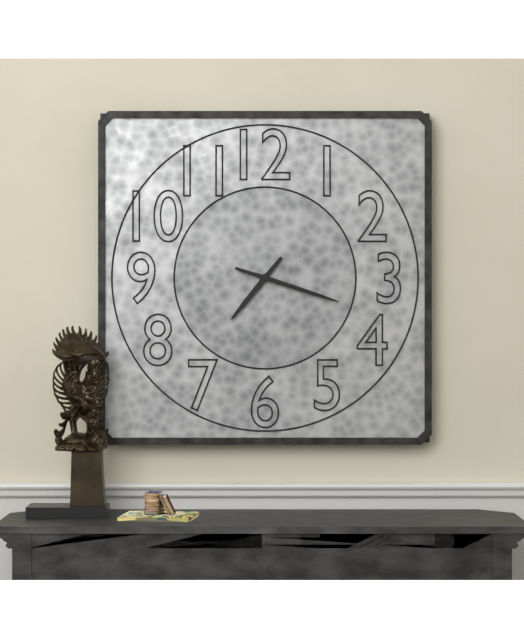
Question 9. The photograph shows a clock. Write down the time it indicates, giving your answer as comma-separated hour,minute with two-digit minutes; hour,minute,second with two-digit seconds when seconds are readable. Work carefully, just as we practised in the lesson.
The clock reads 7,18
